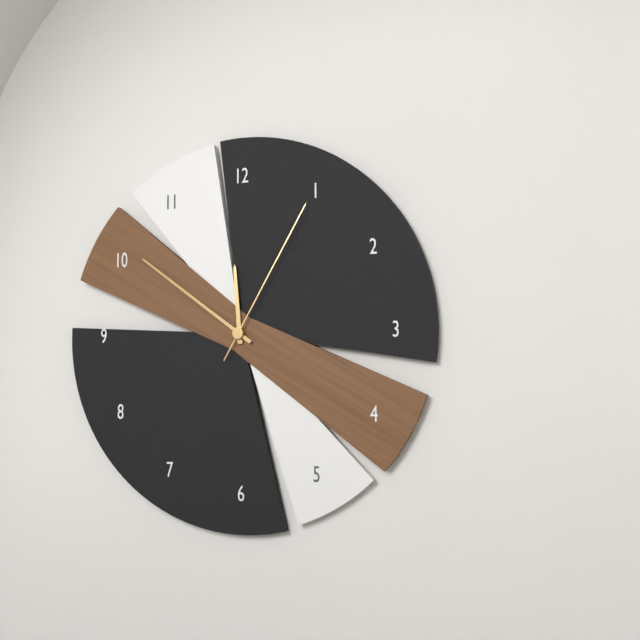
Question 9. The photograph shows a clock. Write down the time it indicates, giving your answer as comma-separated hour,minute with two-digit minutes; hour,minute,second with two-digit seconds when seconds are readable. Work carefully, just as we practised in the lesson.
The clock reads 11,51,05
